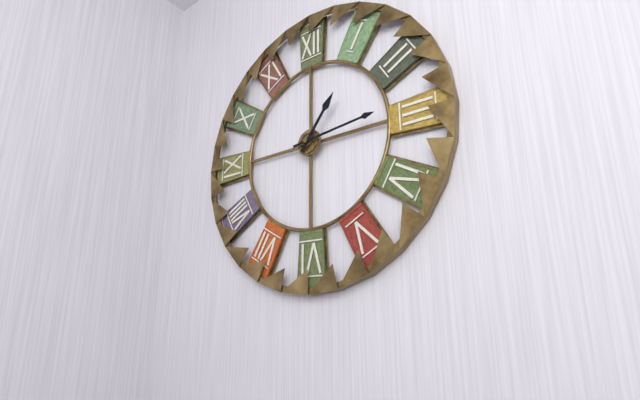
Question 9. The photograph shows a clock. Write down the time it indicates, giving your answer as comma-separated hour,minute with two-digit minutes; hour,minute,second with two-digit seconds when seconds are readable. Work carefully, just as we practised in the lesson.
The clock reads 1,14
